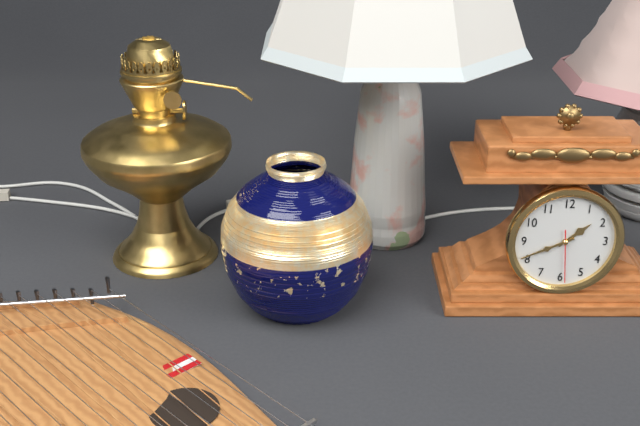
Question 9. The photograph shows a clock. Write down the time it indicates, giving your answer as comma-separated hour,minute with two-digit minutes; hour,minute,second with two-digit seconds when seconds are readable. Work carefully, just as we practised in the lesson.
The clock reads 1,41,29
